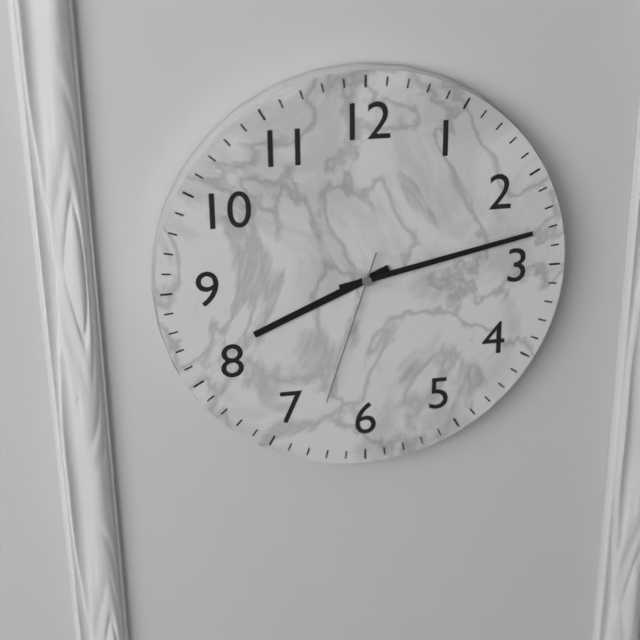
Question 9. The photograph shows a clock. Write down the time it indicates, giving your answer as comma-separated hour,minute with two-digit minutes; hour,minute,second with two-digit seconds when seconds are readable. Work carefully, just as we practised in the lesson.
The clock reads 8,13,33
